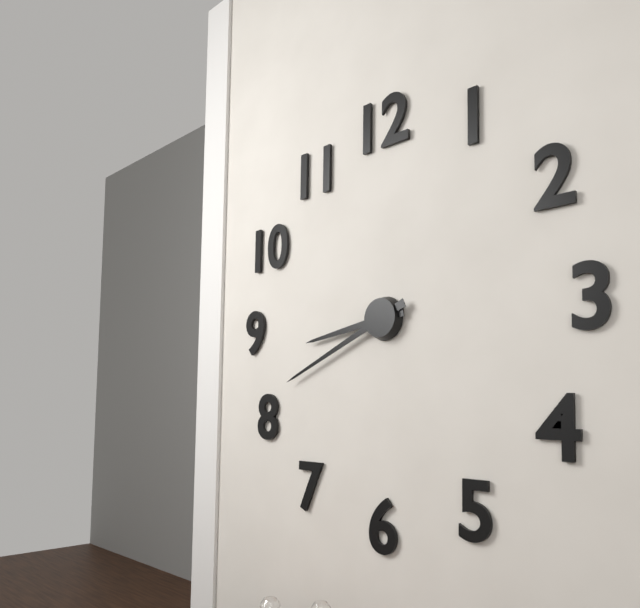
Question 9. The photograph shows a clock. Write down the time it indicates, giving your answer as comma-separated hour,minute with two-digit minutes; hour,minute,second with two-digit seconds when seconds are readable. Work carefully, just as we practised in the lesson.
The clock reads 8,41
